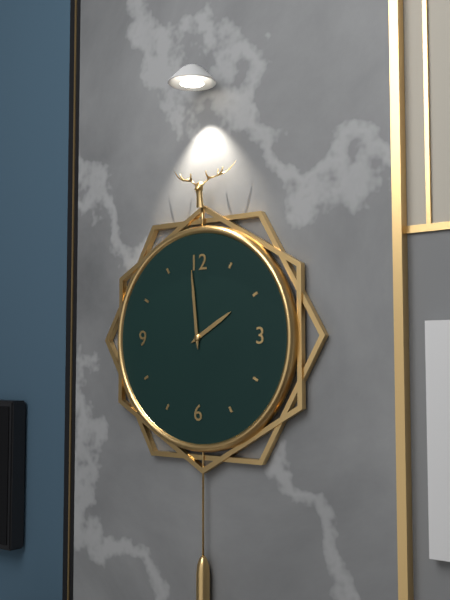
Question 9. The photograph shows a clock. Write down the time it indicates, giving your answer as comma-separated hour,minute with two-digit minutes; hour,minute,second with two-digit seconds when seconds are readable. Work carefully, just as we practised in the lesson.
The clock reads 1,59
